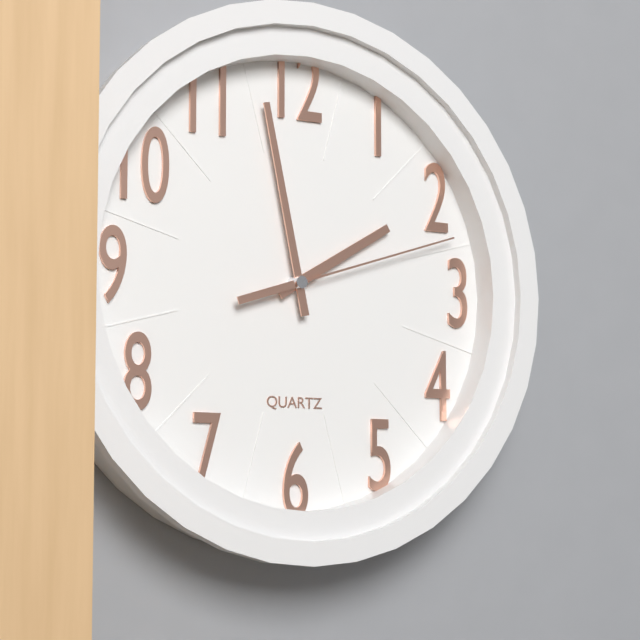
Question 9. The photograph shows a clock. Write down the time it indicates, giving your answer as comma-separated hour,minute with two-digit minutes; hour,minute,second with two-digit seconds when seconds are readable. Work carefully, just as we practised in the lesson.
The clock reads 1,58,12
